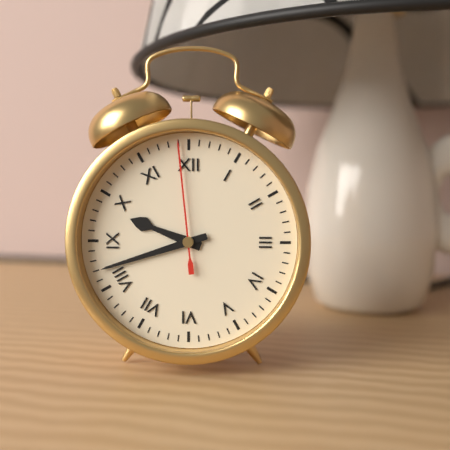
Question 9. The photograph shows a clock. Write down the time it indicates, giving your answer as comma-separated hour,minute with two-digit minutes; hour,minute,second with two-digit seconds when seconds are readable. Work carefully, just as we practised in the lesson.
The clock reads 9,42,59
